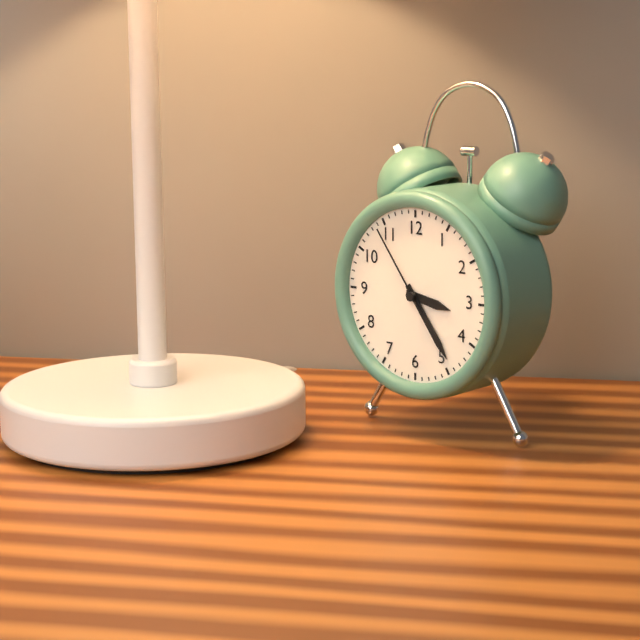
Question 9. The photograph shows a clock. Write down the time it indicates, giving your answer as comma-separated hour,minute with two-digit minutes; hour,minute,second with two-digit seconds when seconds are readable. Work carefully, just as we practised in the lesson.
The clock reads 3,24,54
